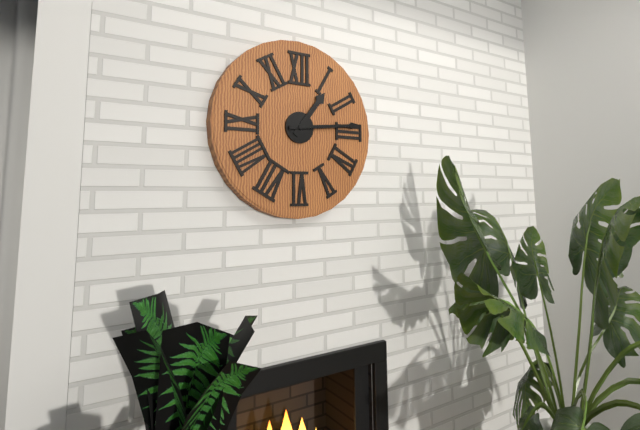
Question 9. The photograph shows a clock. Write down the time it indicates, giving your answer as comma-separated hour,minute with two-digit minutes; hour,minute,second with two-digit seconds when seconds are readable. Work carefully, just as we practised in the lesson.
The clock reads 1,14
